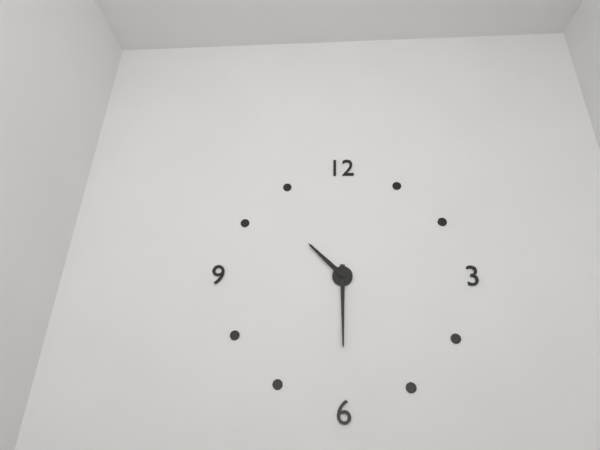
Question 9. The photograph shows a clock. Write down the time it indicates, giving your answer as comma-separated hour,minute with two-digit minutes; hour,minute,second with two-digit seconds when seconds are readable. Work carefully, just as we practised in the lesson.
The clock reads 10,30
